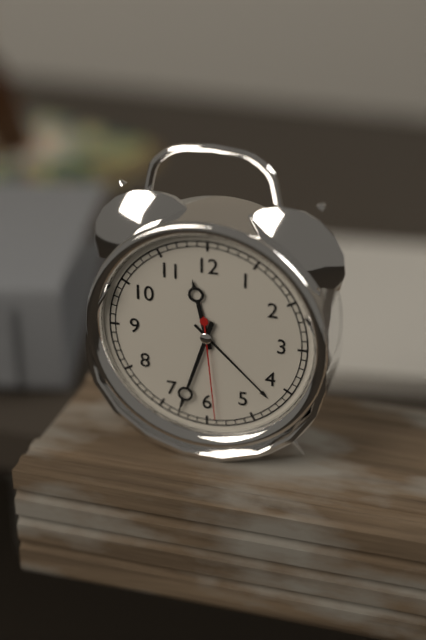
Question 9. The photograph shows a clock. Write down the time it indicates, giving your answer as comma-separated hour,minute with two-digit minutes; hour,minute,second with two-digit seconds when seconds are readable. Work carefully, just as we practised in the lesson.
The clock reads 11,33,29
